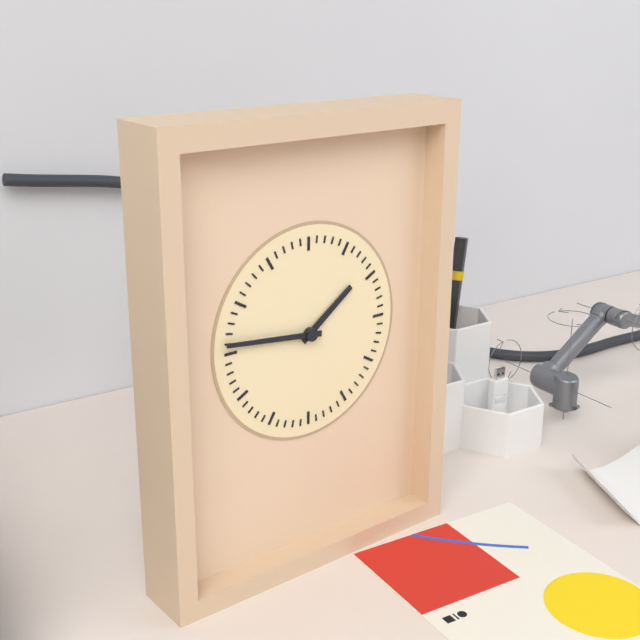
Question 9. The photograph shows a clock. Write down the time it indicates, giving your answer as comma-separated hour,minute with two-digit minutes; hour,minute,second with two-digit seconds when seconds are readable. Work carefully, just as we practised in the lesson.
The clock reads 1,46
